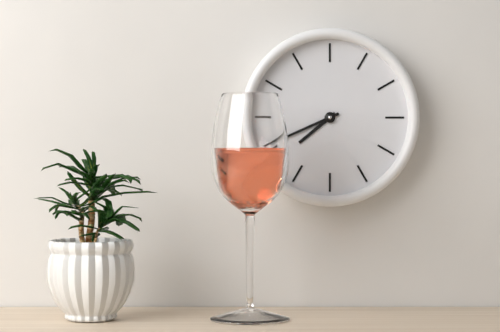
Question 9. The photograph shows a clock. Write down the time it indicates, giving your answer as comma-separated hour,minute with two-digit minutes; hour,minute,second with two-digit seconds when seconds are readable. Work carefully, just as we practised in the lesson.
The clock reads 7,41
